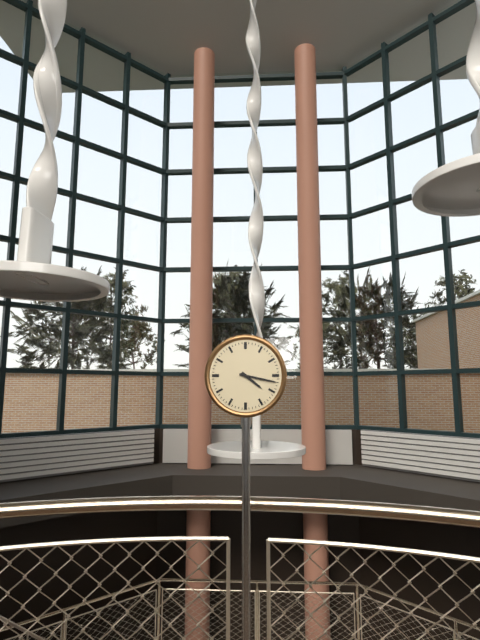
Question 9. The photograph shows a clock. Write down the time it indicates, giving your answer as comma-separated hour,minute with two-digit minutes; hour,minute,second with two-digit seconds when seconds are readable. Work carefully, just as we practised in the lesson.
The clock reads 4,17
